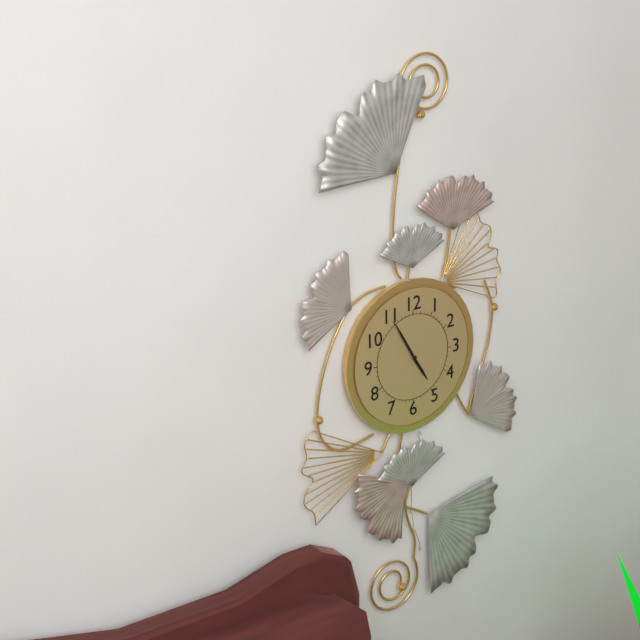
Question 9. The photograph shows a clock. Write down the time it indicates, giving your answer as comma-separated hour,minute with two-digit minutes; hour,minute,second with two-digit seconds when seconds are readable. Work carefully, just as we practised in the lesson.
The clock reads 4,55
